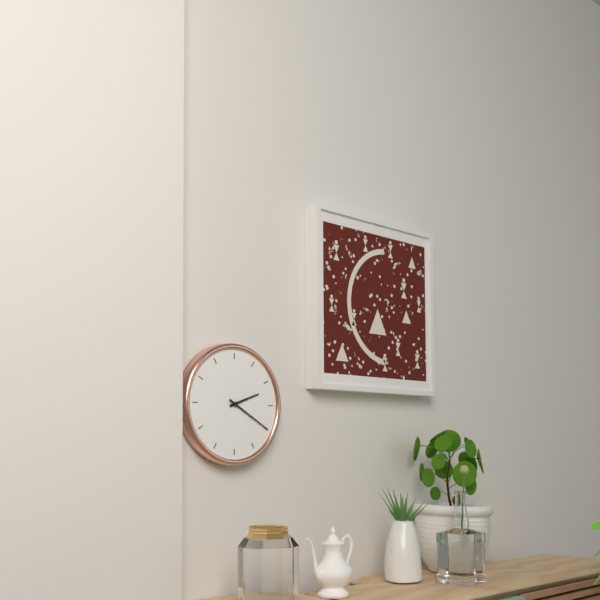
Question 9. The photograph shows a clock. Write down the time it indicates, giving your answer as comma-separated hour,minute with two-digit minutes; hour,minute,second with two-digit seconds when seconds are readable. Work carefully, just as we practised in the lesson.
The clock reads 2,20
